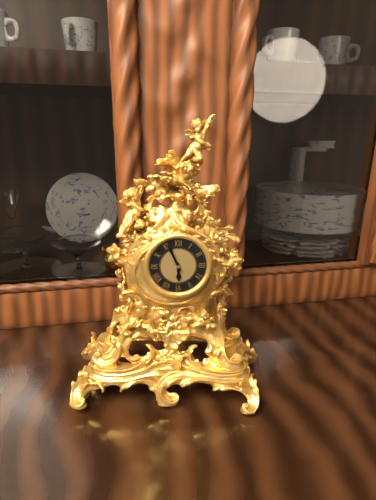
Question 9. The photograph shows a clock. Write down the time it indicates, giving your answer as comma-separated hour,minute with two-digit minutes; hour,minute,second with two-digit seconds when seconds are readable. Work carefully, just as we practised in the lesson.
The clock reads 5,56
